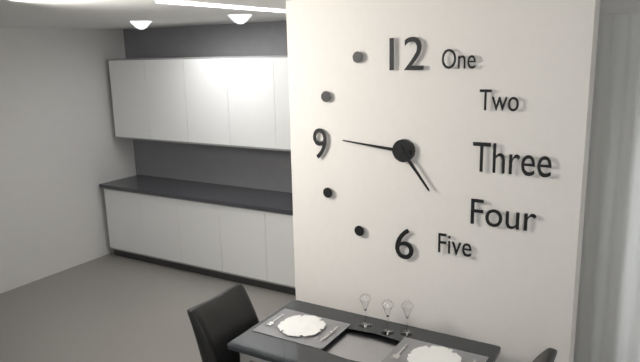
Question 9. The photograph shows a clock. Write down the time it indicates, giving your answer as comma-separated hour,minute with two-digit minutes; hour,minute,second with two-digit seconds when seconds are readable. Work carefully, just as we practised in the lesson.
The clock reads 4,46
